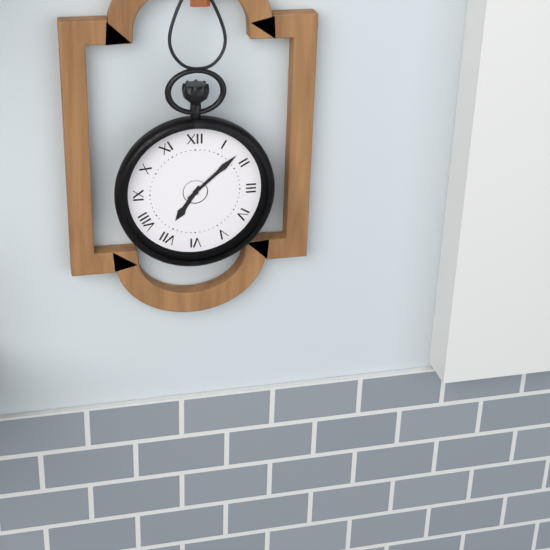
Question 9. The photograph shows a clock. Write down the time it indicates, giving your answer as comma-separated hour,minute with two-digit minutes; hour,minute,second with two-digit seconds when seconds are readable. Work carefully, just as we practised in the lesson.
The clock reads 7,08
